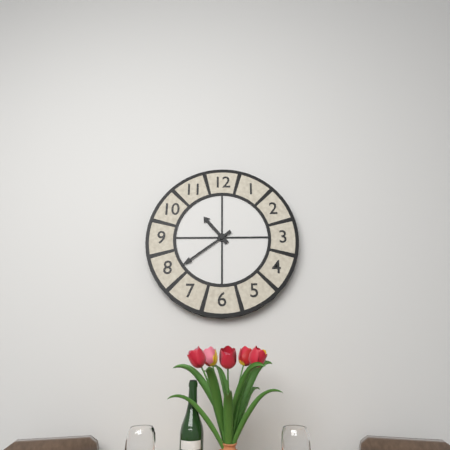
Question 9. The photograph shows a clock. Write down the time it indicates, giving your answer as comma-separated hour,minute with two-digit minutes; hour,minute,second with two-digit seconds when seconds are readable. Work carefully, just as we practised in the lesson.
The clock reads 10,39
